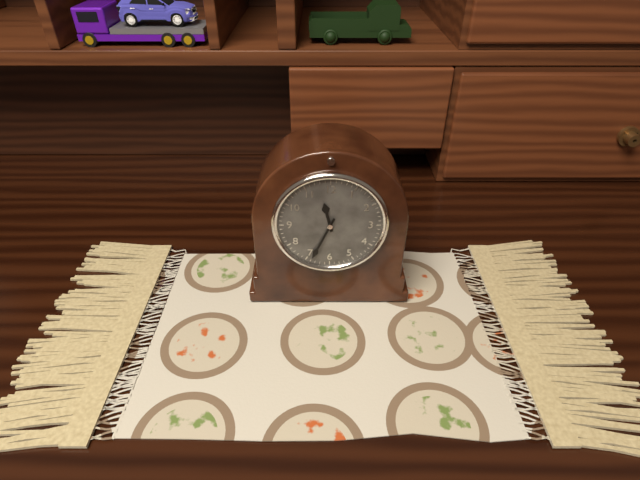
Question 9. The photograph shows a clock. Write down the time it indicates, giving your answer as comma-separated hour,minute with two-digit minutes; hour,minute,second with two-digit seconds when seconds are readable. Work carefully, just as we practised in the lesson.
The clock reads 11,34
